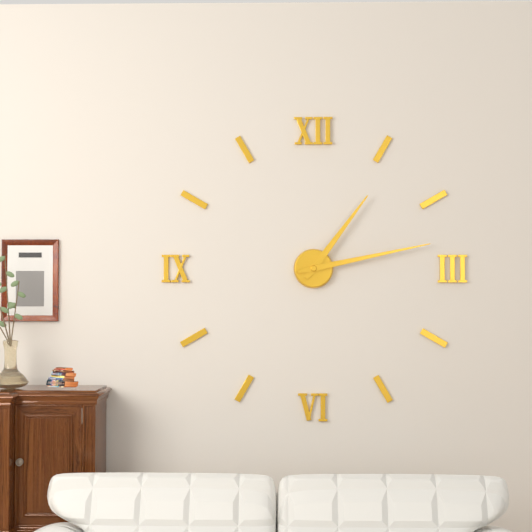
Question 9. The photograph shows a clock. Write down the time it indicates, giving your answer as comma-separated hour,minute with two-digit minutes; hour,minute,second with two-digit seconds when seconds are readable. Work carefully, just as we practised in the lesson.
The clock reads 1,13
